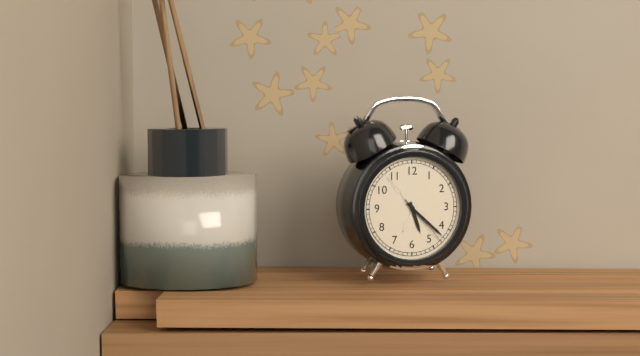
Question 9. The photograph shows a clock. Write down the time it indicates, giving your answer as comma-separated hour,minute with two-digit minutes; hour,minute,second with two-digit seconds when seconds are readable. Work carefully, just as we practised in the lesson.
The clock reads 5,22,23
